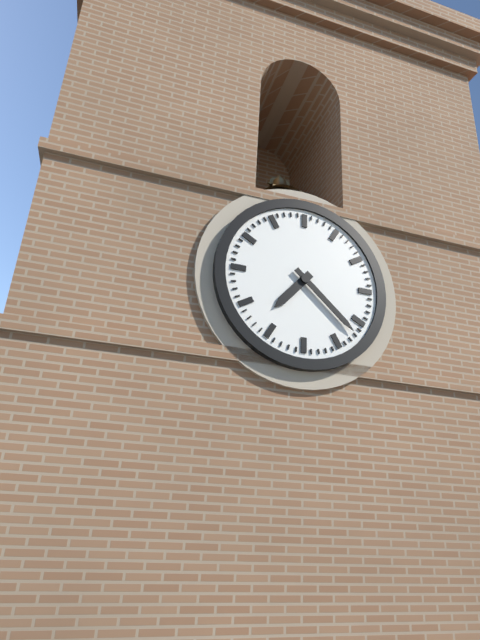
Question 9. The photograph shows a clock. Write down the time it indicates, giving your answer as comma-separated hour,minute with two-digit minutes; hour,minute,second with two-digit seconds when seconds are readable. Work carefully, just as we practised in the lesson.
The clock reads 7,22
